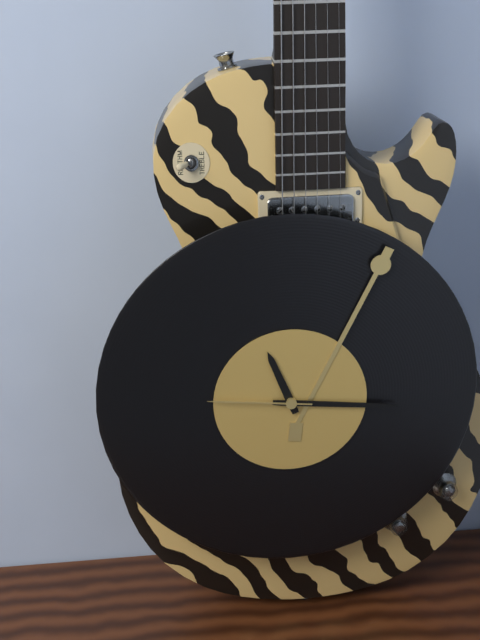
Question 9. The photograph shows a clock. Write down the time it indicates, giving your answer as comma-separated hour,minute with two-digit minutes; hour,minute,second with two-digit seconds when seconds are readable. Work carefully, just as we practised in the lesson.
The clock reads 11,16,46
